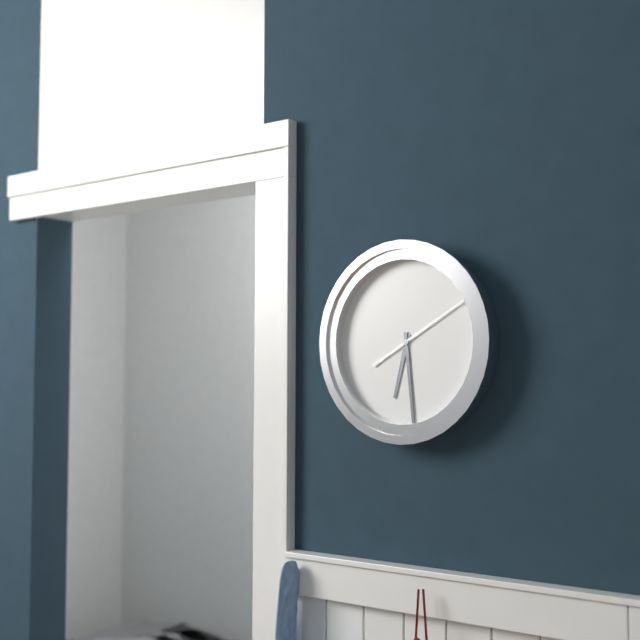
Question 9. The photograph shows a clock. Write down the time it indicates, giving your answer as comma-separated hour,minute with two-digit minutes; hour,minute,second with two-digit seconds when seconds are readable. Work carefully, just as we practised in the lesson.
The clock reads 6,29,10
